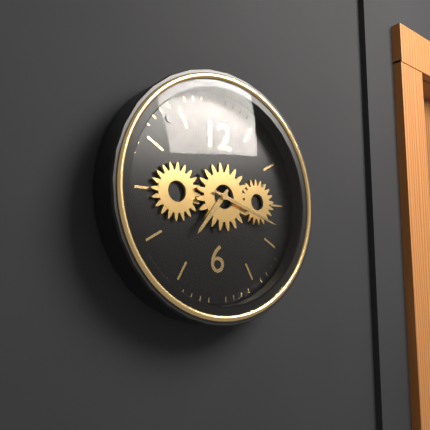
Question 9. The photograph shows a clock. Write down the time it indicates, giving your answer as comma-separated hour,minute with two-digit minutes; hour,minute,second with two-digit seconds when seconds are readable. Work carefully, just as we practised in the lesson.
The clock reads 7,18
